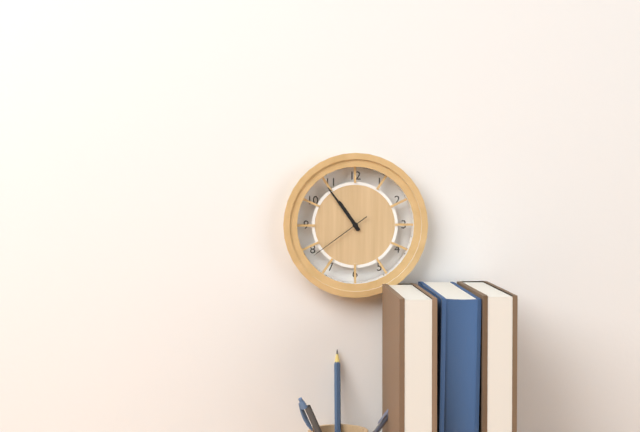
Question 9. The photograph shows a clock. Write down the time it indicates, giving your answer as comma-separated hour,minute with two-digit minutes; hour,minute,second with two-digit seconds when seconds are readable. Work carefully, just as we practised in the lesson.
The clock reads 10,54,39
